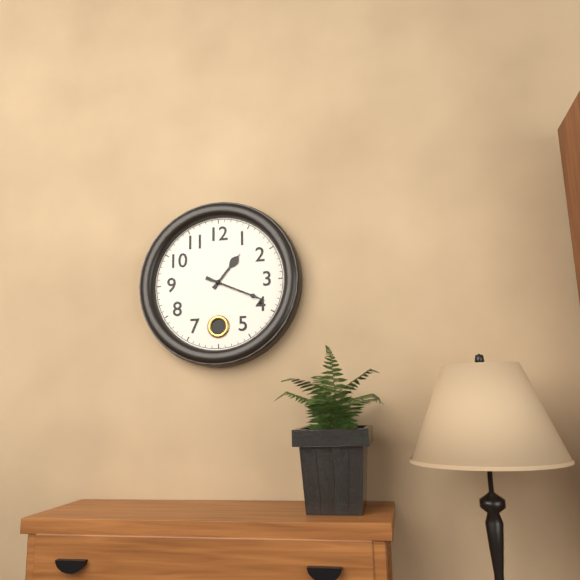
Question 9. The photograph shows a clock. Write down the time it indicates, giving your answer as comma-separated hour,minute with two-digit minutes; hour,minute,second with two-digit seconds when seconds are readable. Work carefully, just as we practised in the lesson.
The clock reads 1,19
